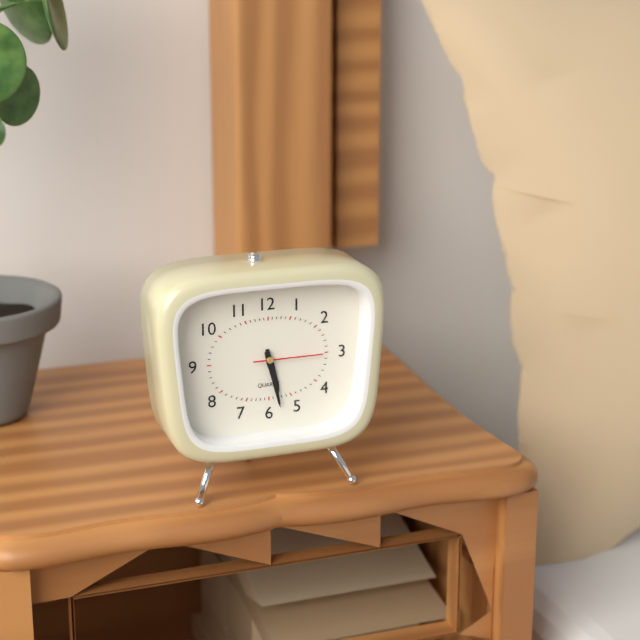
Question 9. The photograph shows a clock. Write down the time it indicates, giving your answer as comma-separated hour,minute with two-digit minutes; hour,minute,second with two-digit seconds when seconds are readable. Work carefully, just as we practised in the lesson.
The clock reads 5,28,15
